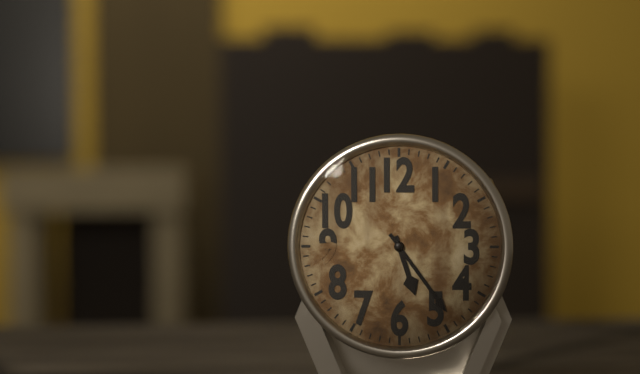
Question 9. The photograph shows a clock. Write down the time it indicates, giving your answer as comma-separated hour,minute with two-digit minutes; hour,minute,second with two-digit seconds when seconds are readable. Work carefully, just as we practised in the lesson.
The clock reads 5,24
